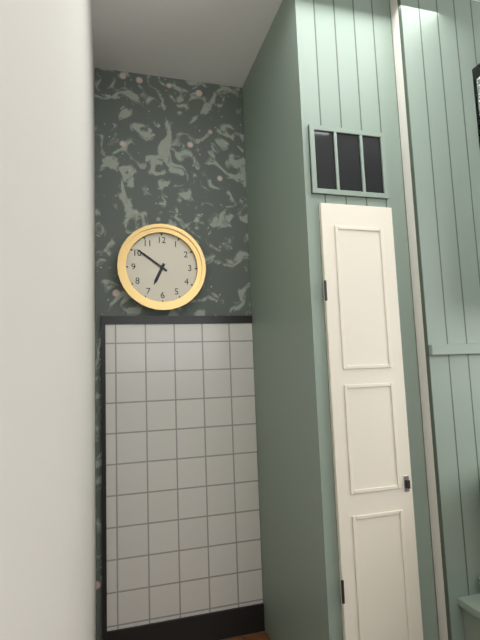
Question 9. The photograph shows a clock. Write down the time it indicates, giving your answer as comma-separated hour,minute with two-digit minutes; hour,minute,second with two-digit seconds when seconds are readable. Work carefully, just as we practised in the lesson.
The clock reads 6,51
